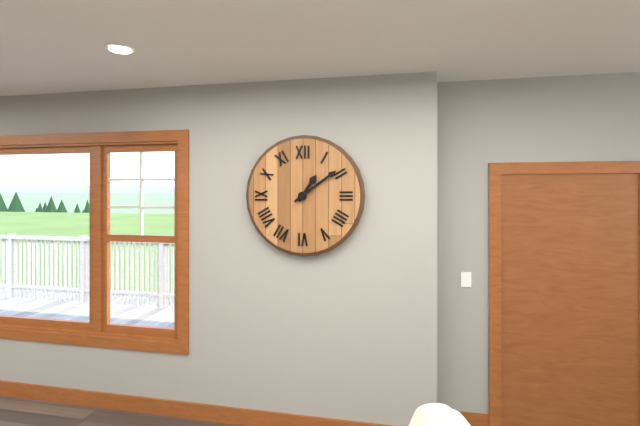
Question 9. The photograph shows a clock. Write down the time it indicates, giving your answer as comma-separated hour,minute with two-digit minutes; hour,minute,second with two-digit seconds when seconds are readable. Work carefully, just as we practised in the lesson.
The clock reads 1,09
